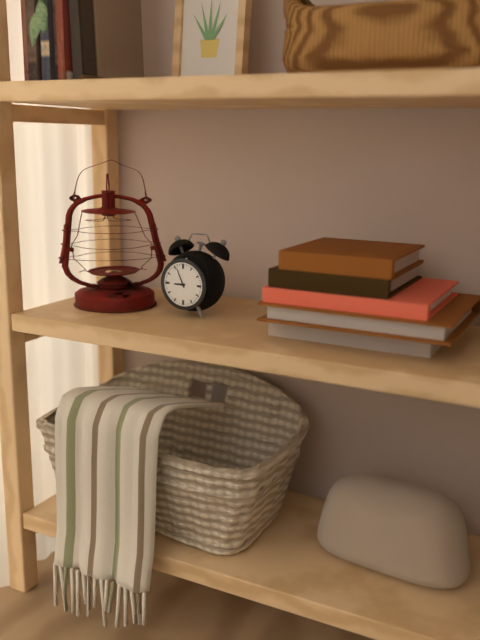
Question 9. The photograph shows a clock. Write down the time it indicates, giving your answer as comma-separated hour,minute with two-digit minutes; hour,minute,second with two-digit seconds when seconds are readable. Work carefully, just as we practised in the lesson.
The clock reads 8,56
